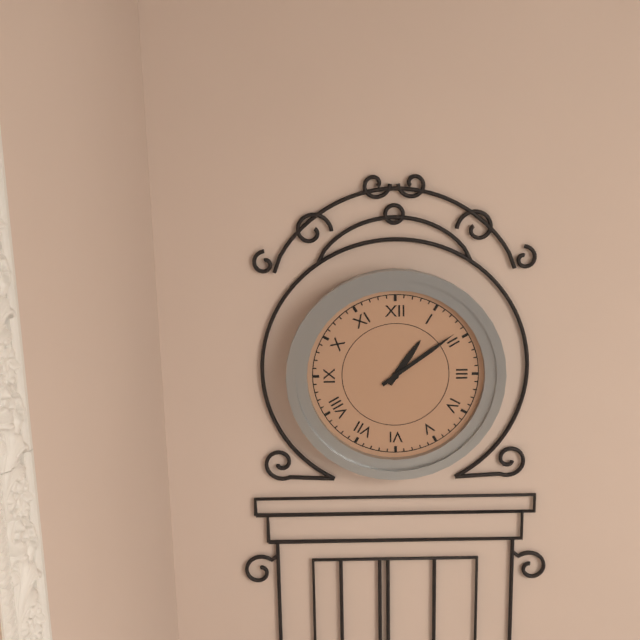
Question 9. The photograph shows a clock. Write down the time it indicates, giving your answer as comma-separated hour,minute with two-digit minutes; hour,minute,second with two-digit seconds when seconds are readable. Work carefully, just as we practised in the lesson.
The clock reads 1,09
